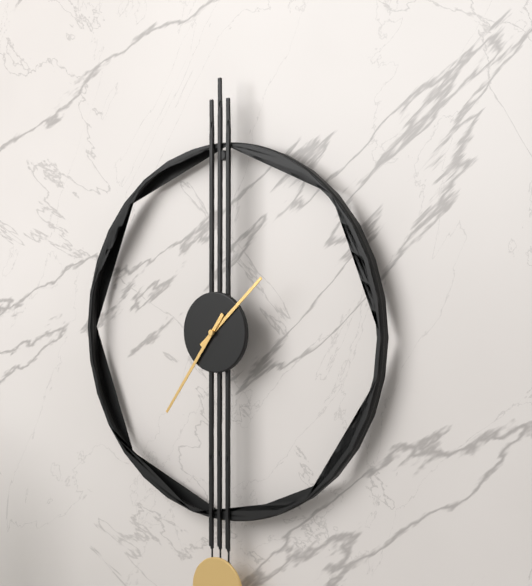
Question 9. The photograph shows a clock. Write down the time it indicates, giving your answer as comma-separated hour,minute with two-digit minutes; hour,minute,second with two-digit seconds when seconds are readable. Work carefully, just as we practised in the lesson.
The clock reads 1,36
